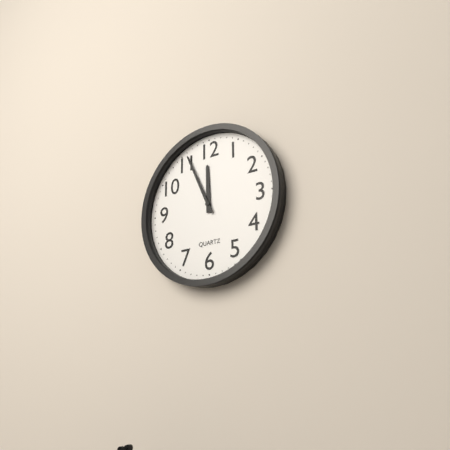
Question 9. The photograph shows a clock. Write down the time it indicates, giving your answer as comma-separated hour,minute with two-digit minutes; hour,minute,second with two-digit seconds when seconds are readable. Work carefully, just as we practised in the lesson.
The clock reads 11,56
